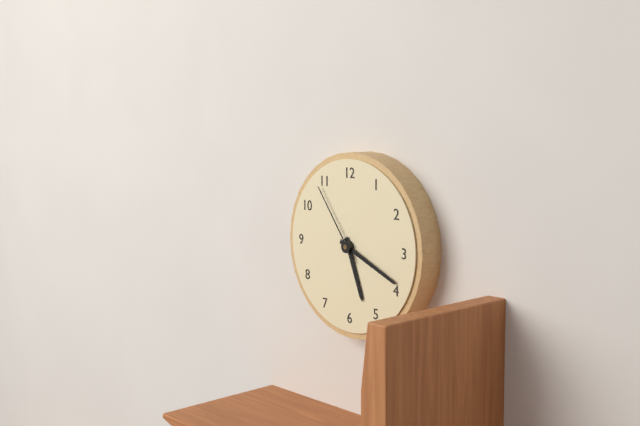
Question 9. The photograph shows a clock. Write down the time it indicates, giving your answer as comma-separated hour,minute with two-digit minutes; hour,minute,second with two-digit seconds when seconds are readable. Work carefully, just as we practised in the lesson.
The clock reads 5,19,54
